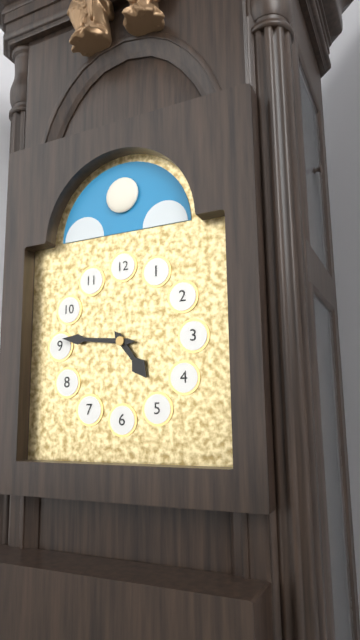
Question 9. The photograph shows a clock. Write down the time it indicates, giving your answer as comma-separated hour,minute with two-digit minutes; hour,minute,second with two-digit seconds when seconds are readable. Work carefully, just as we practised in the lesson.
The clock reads 4,46
